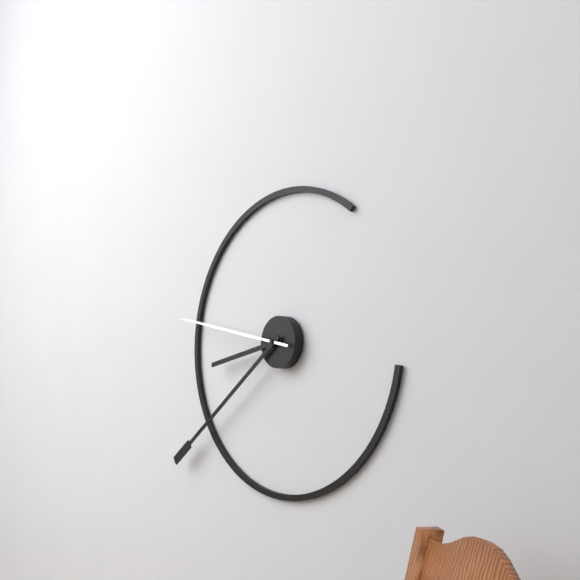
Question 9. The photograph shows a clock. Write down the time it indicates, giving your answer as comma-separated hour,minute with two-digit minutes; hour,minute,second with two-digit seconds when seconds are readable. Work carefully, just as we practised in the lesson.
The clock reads 8,39,47
